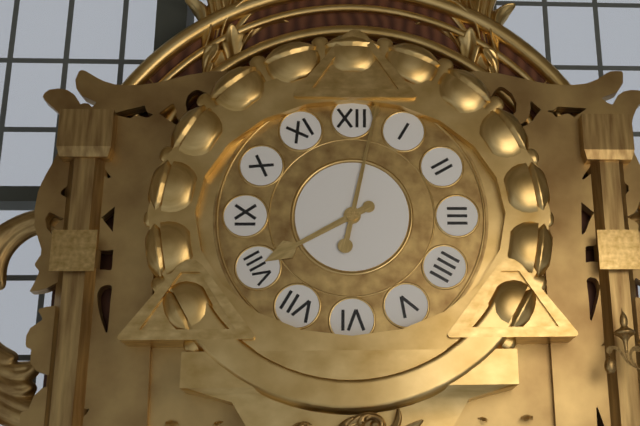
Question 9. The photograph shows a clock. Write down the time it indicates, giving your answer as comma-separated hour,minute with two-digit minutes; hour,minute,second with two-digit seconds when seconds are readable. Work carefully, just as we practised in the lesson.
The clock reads 8,02
